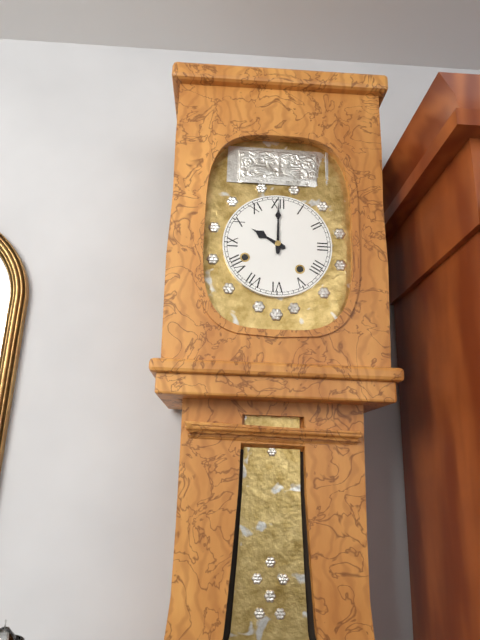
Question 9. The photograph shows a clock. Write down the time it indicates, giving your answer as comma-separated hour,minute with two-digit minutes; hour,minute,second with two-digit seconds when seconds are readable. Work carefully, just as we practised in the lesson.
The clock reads 10,00
